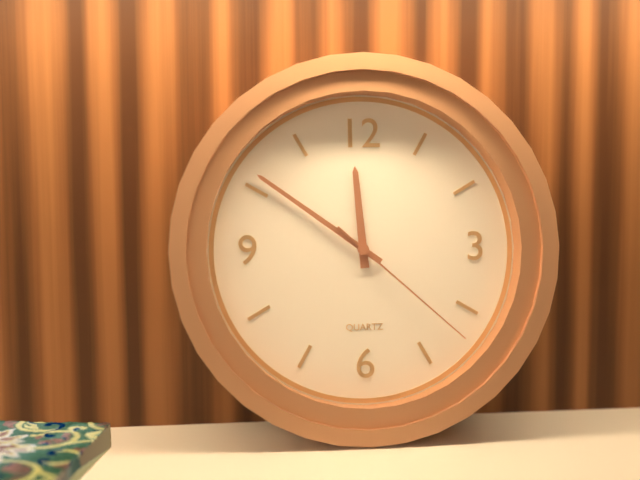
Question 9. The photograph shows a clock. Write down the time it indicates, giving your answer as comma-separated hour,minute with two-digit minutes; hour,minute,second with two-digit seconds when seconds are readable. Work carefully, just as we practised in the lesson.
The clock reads 11,51,22
